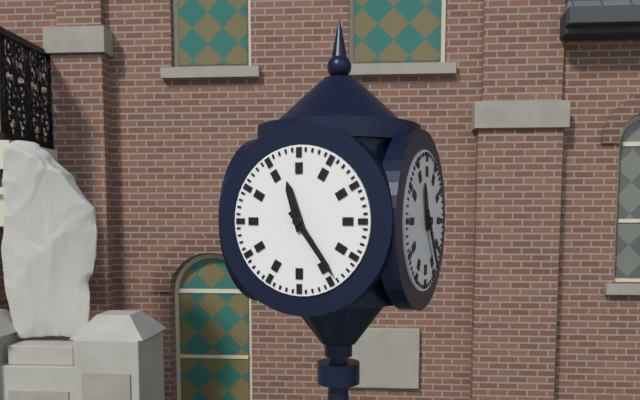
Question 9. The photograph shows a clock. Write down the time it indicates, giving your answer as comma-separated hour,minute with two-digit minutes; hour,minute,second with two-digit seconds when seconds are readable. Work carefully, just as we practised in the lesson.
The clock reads 11,24
